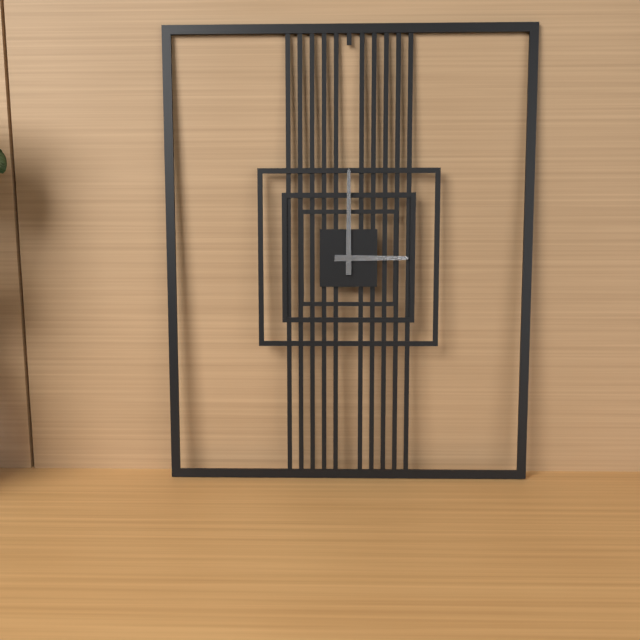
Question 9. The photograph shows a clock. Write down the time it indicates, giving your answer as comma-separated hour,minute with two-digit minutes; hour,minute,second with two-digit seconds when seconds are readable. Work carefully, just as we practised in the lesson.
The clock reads 3,00
